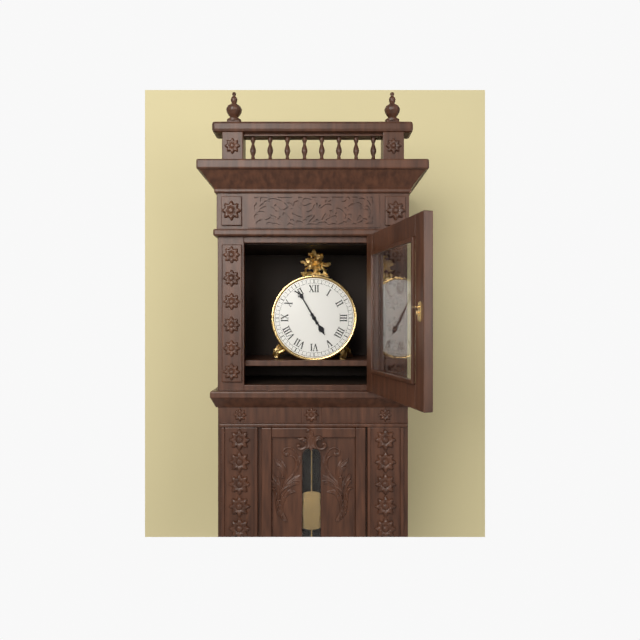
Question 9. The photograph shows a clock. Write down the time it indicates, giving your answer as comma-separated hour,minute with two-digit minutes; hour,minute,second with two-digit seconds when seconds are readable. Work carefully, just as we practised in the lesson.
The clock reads 4,55
